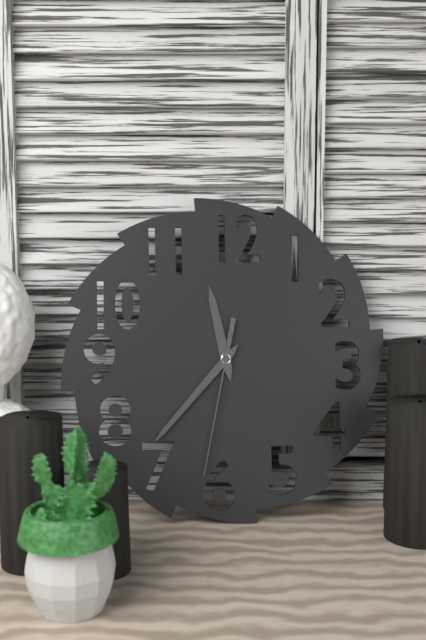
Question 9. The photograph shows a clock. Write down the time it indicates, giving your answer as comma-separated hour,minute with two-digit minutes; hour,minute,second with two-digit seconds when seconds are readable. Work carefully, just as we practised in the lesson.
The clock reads 11,37,32
